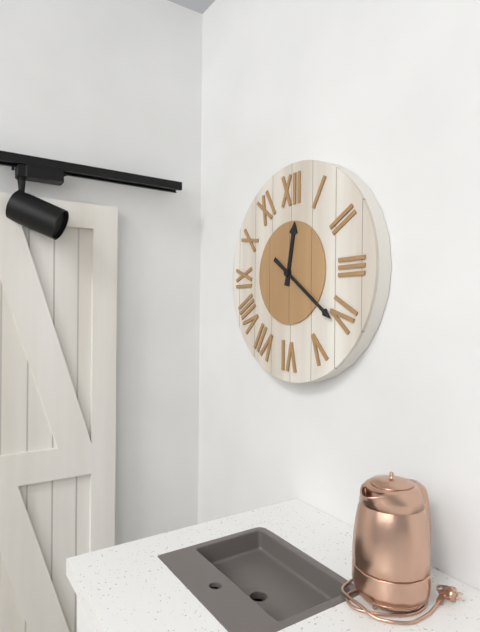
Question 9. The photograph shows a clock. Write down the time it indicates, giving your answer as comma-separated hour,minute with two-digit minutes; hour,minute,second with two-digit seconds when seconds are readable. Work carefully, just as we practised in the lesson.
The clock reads 12,21
